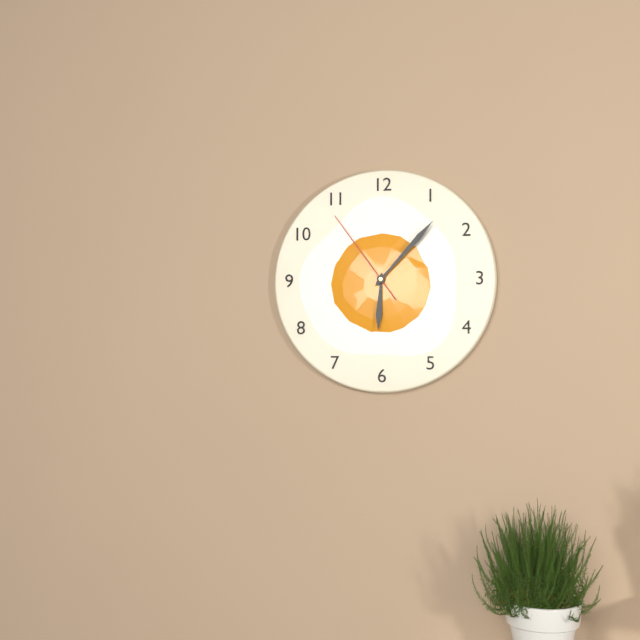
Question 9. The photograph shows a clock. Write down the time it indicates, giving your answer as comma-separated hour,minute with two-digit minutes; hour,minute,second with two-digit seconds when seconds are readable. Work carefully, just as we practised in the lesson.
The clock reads 6,07,54
